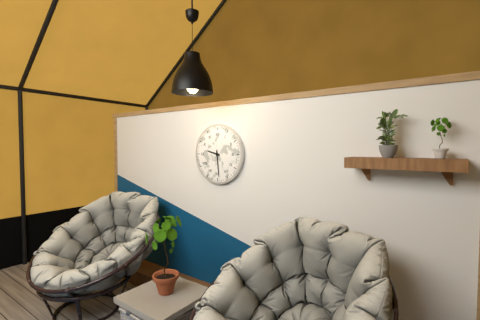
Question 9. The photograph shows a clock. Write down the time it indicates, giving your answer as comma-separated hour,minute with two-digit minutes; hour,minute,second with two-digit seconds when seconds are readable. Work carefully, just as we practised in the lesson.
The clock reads 9,29
